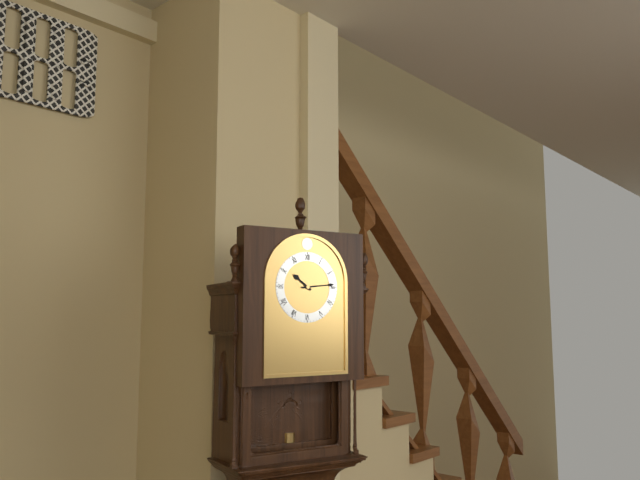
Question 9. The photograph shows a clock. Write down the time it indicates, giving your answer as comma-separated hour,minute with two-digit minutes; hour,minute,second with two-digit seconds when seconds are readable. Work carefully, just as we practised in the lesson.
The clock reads 10,14
